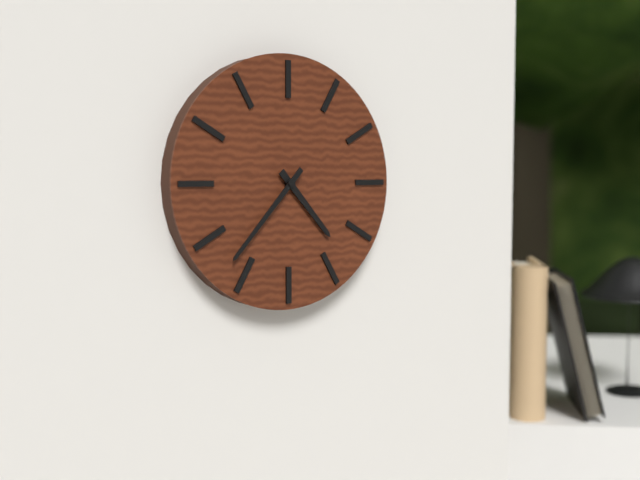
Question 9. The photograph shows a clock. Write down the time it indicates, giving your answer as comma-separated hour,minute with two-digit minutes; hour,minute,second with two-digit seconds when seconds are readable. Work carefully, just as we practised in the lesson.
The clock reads 4,37
